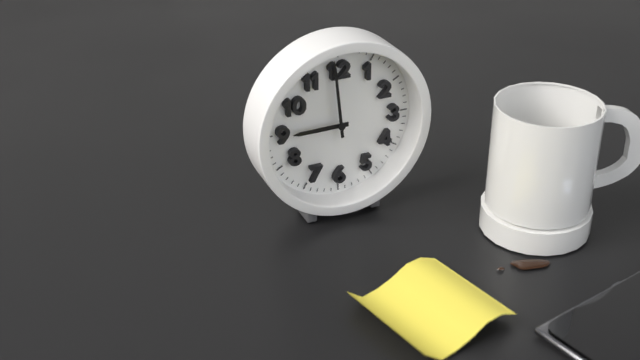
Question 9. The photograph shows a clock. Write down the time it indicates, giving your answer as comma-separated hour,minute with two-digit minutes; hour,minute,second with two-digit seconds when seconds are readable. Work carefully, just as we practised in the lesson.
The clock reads 8,59
